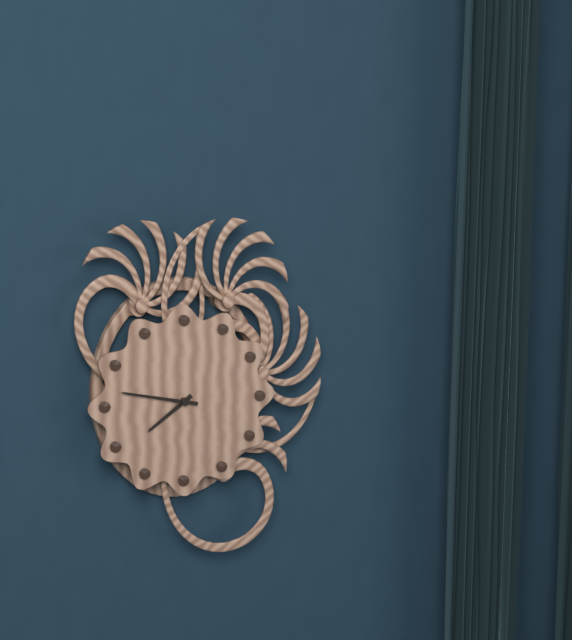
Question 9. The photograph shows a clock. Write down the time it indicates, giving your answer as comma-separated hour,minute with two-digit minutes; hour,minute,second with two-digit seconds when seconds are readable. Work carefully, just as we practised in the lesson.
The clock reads 7,47
